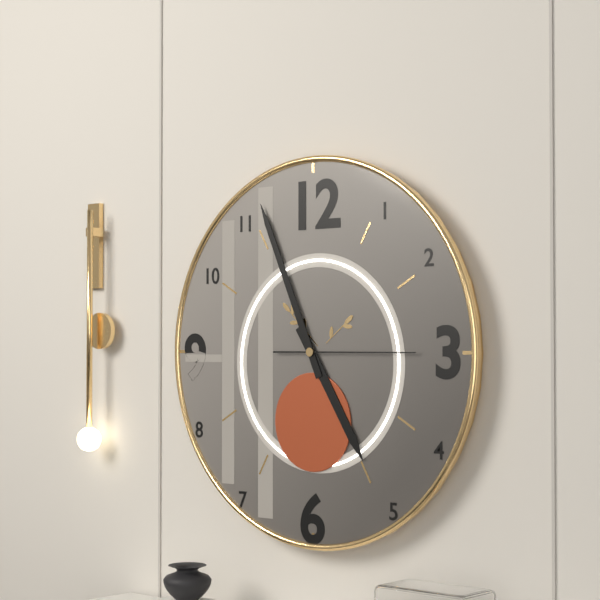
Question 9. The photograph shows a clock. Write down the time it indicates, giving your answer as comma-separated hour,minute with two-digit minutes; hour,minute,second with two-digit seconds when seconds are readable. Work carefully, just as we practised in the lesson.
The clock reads 4,56,15
